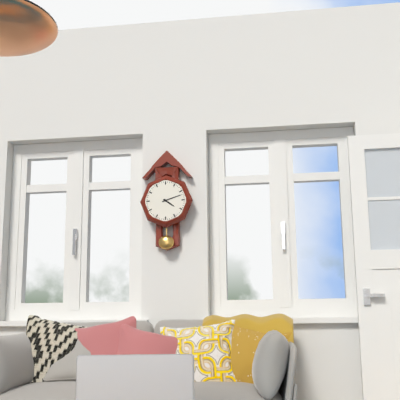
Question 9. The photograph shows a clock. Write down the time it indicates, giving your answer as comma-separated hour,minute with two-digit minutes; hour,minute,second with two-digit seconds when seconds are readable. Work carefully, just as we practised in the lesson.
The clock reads 4,12
